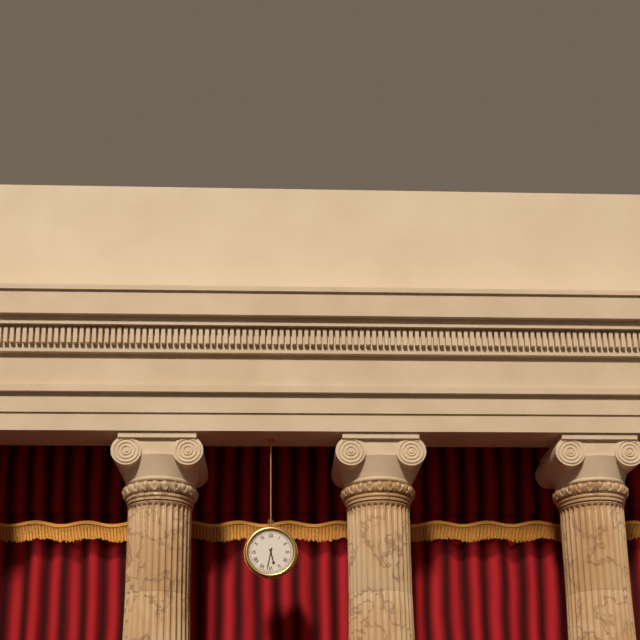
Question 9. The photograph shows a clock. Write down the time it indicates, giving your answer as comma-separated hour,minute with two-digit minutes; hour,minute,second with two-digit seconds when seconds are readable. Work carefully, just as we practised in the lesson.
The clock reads 5,32
